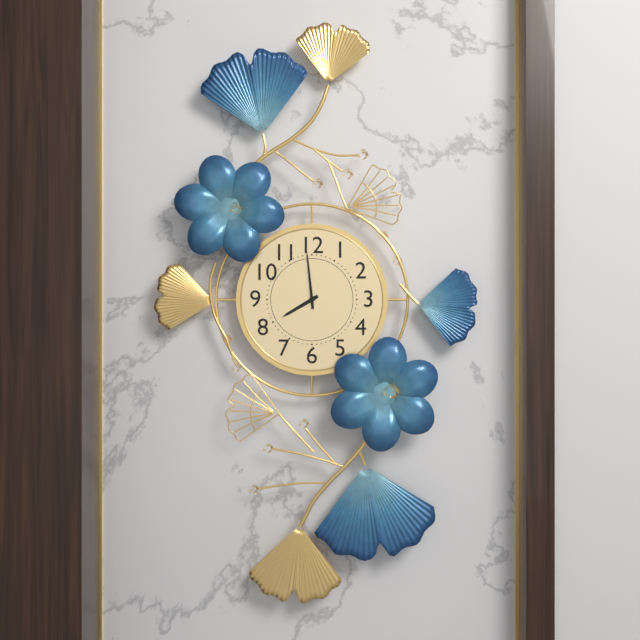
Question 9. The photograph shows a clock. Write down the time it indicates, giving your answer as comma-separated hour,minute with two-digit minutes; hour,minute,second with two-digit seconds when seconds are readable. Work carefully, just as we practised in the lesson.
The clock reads 7,59
